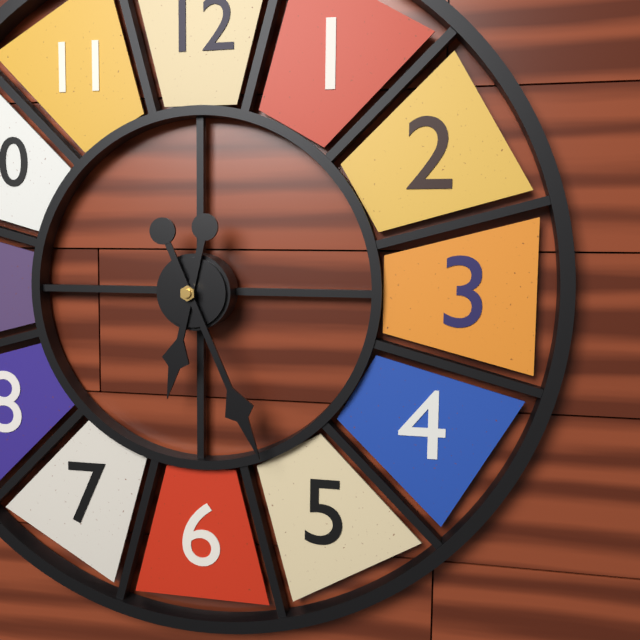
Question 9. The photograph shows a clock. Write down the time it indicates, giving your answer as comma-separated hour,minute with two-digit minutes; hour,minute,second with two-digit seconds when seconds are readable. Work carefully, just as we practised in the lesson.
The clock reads 6,26
